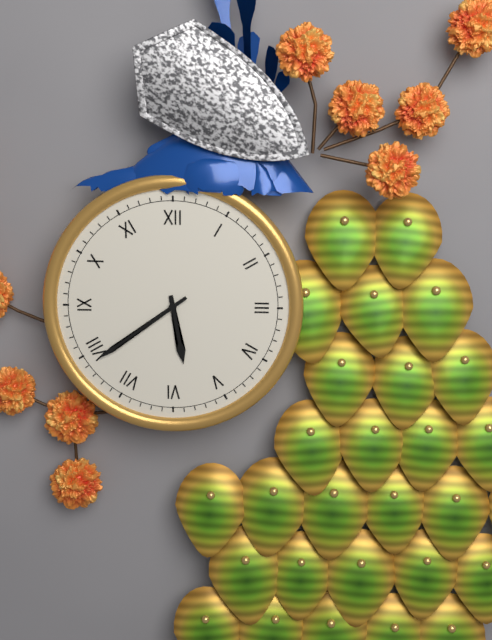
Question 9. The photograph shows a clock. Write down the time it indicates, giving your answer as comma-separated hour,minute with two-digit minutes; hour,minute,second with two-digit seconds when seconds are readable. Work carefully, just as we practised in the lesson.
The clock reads 5,39
